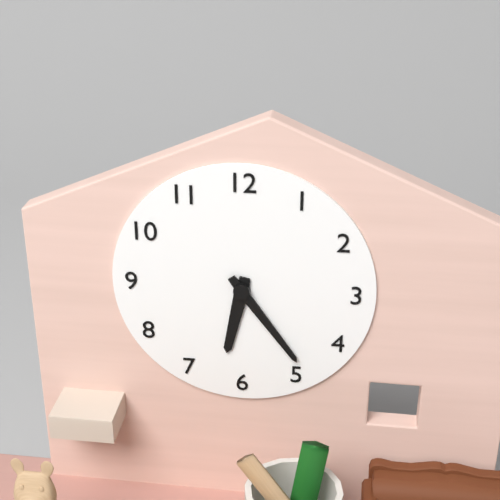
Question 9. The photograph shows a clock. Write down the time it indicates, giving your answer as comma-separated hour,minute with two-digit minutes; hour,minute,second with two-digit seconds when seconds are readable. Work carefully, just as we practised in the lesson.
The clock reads 6,24
